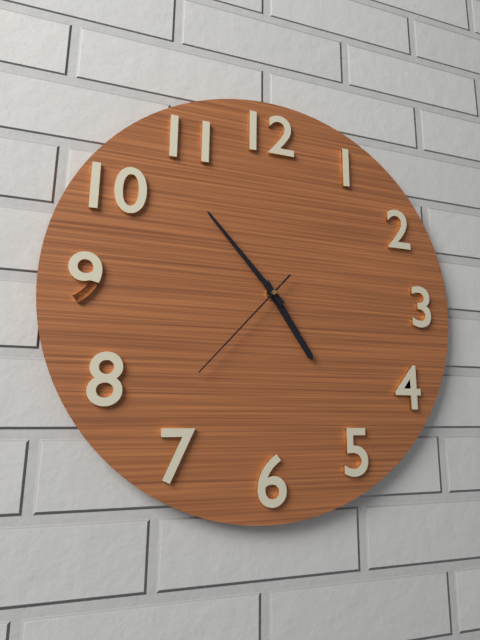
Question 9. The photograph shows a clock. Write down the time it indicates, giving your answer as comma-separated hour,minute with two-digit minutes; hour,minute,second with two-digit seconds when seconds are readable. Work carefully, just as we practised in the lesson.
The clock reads 4,53,37
